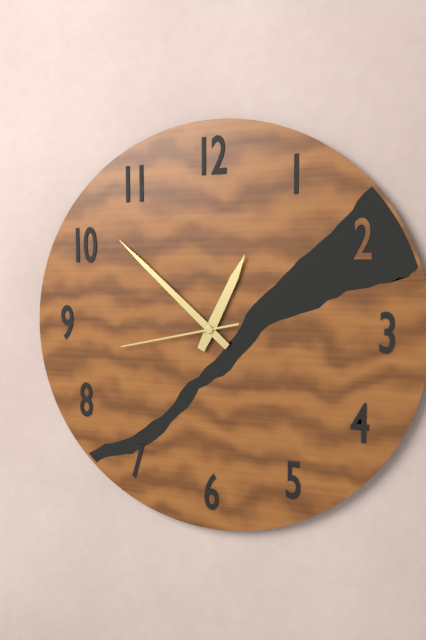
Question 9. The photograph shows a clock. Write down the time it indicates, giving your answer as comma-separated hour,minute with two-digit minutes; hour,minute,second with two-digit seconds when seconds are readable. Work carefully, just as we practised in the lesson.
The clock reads 12,52,43
